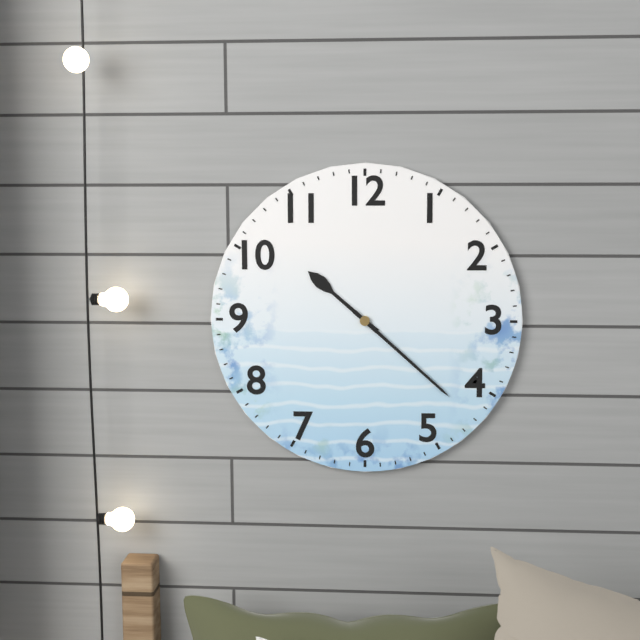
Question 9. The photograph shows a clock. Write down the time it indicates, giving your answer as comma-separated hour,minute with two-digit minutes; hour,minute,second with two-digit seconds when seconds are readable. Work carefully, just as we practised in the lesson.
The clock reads 10,22
